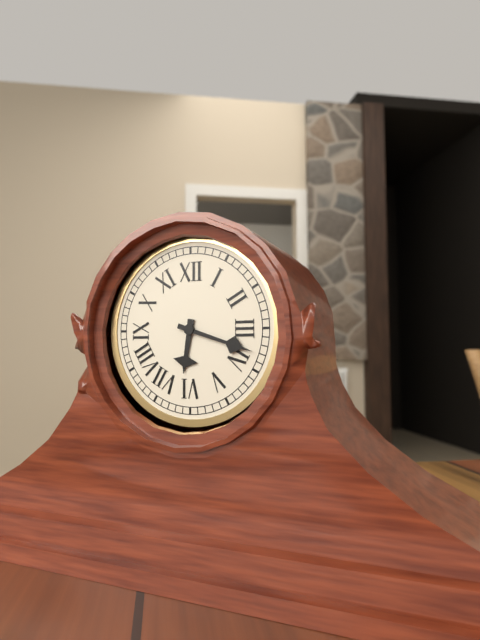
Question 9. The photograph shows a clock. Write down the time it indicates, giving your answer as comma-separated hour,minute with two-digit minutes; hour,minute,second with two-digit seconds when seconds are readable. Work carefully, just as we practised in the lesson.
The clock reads 6,18
